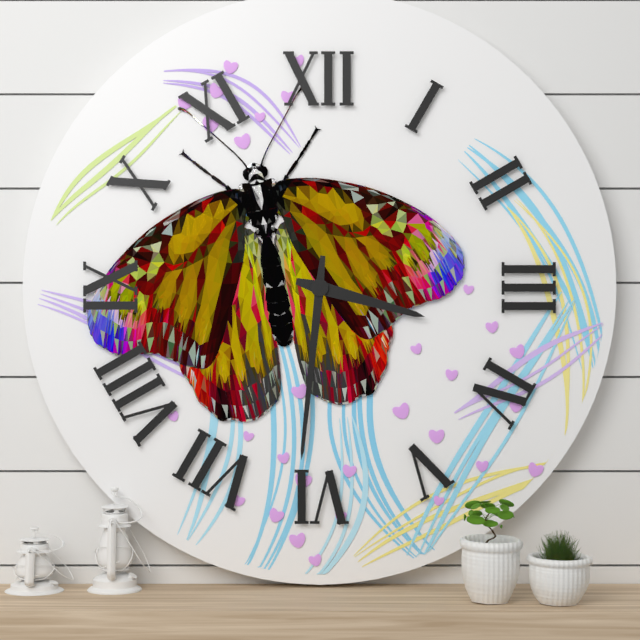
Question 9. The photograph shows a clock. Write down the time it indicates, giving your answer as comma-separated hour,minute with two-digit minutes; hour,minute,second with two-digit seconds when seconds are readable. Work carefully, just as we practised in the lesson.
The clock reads 3,31
